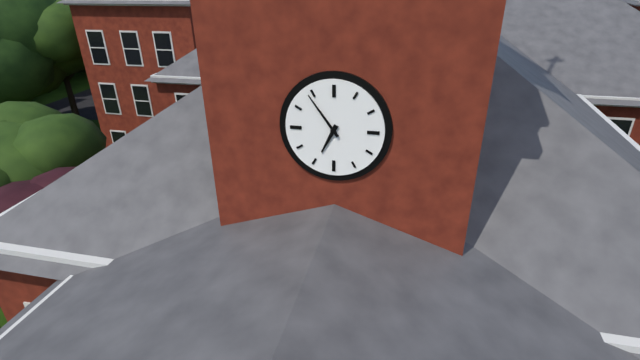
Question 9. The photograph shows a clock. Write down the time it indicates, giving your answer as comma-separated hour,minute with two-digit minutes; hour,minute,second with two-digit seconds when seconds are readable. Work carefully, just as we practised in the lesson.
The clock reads 6,54
